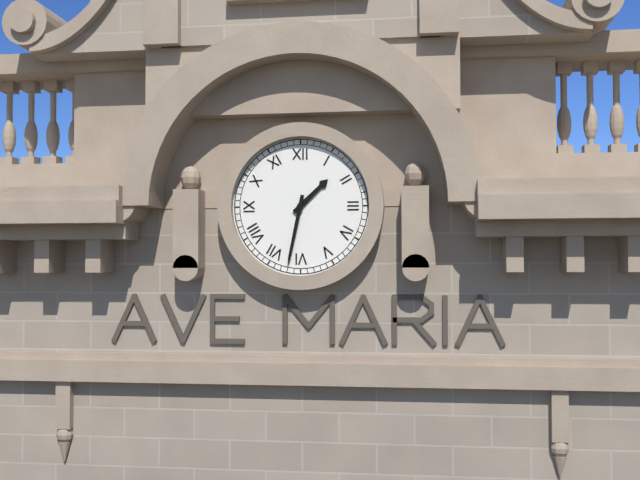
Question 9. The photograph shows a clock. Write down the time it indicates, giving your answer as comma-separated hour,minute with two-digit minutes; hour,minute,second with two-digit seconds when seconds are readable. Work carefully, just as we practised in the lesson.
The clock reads 1,32
